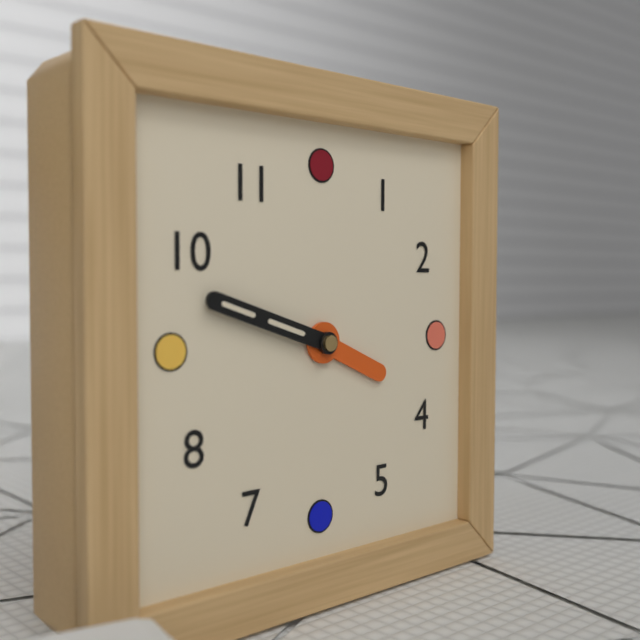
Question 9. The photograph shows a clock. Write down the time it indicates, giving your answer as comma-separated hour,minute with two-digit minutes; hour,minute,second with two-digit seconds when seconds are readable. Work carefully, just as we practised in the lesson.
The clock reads 3,48
